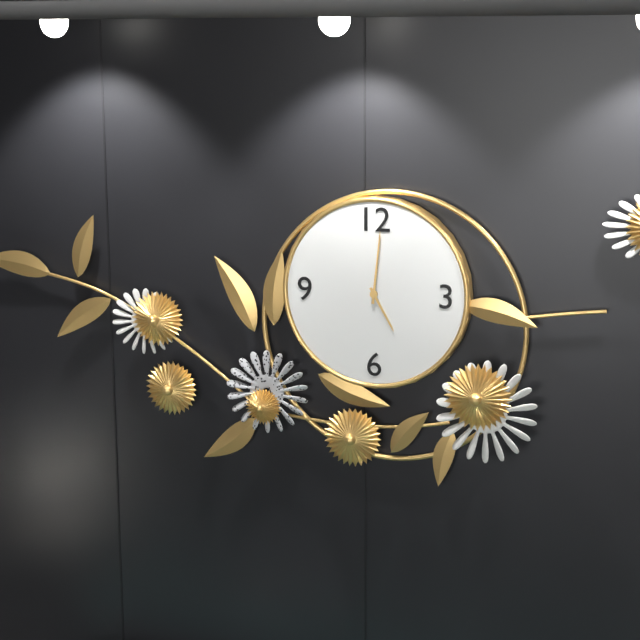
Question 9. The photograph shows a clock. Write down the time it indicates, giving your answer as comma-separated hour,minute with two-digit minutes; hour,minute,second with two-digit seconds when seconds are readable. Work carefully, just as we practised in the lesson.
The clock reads 5,01
